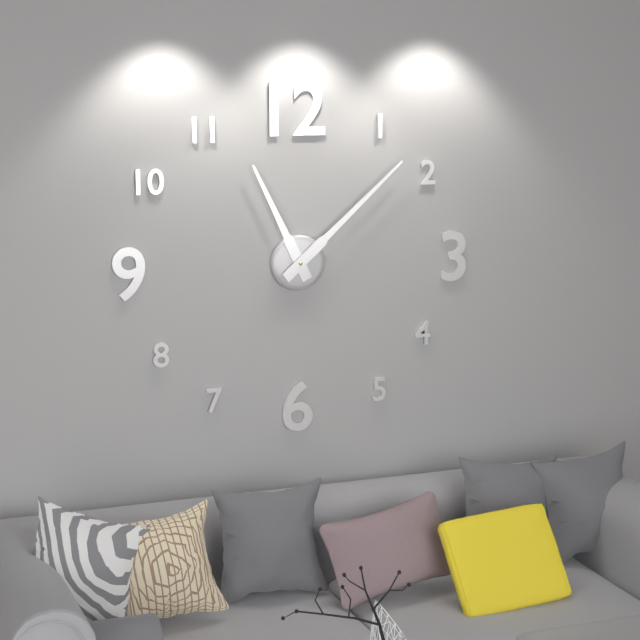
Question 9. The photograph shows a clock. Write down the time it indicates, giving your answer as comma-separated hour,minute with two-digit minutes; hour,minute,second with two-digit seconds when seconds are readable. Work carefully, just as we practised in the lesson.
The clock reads 11,08
